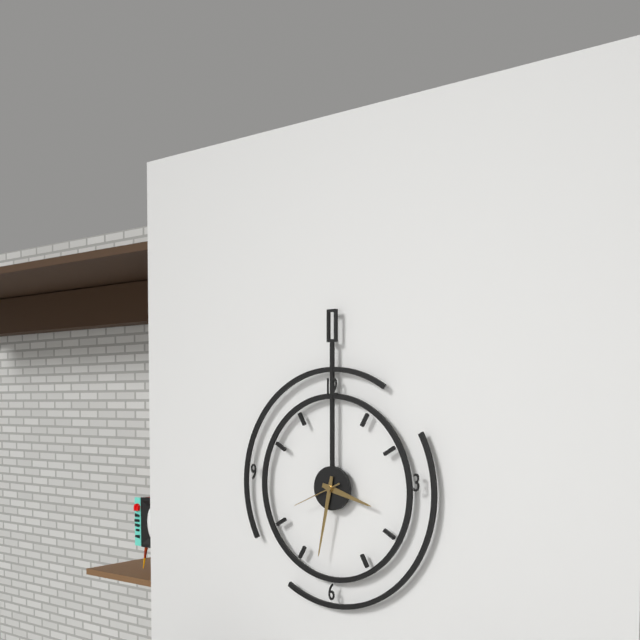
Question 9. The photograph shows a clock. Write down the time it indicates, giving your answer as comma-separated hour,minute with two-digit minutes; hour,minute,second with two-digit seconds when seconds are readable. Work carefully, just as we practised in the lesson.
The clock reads 3,32,41
